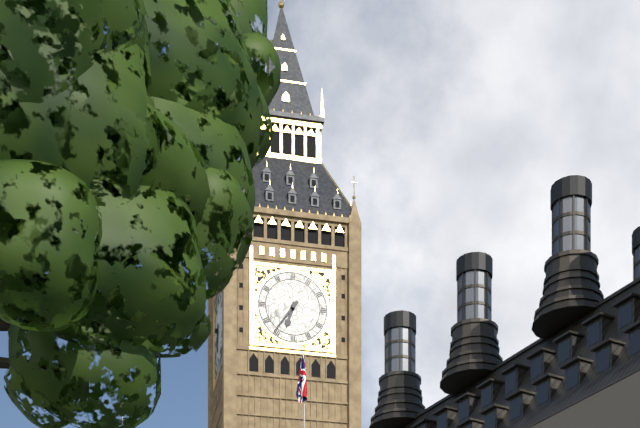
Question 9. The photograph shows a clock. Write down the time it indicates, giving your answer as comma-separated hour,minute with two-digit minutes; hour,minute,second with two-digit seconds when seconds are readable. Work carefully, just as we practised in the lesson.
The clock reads 6,36
